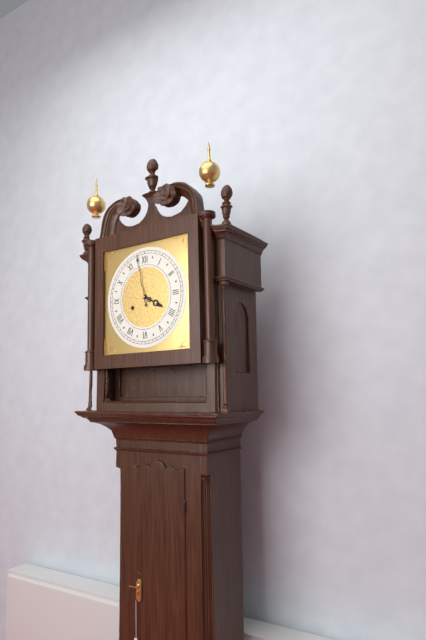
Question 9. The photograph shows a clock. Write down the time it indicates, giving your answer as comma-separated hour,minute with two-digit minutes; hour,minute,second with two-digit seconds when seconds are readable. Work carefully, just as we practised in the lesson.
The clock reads 3,58
